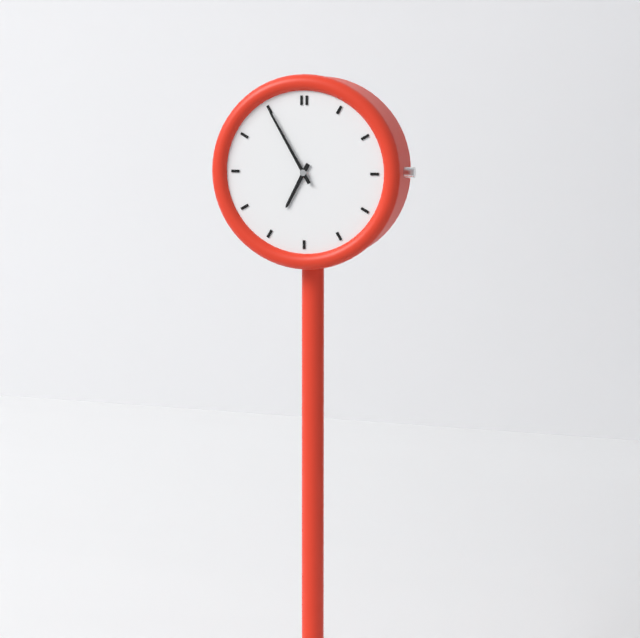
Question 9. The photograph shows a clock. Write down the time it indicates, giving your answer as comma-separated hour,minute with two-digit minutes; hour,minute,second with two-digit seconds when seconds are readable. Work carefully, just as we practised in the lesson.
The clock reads 6,55
